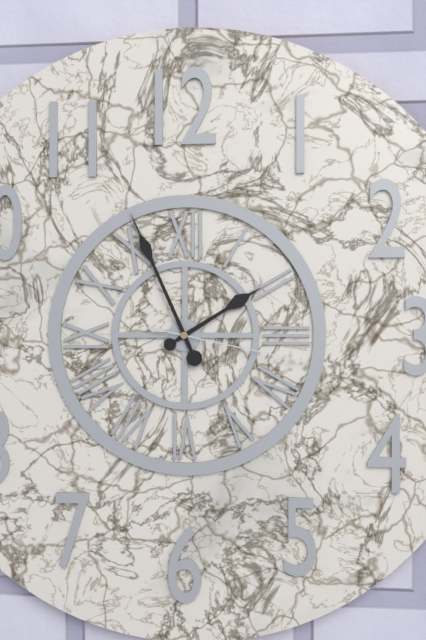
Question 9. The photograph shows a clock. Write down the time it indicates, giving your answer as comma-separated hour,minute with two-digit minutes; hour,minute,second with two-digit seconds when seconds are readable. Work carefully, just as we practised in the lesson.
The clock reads 1,56,17
